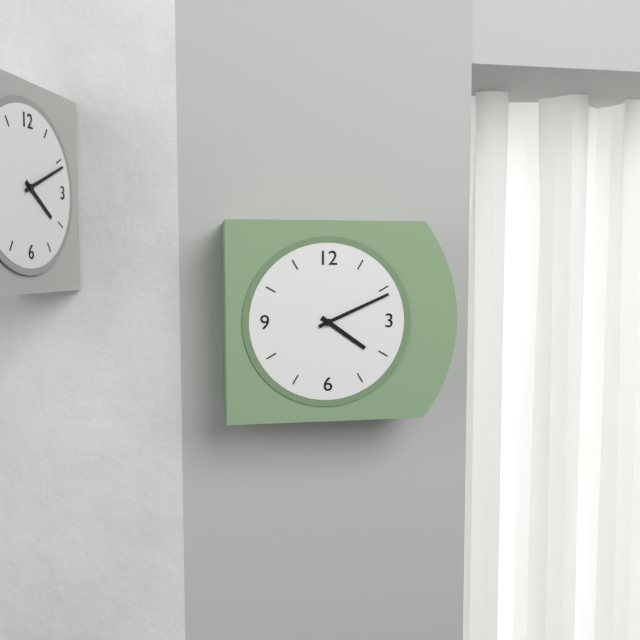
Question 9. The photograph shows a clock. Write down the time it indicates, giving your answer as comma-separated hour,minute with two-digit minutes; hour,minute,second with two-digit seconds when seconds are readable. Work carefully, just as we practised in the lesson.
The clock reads 4,11
